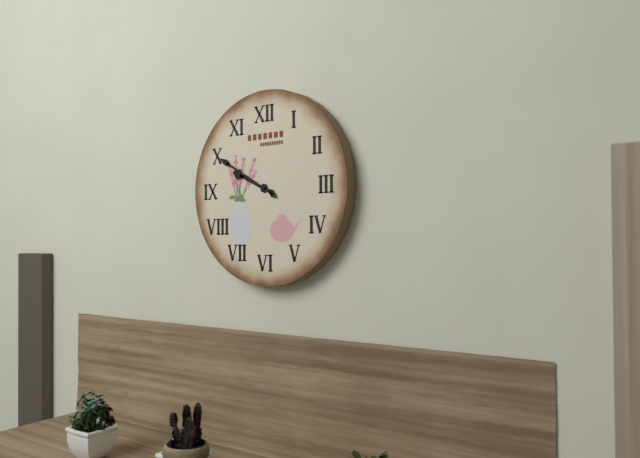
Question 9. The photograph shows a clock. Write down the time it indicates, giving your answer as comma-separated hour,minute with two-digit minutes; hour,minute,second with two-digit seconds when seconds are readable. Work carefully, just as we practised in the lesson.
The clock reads 9,50
